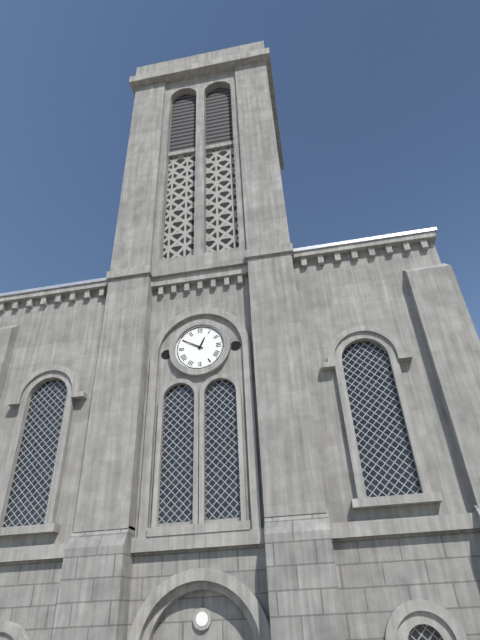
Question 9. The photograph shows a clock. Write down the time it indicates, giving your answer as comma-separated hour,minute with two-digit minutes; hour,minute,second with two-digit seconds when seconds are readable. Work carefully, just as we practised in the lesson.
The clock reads 12,50
